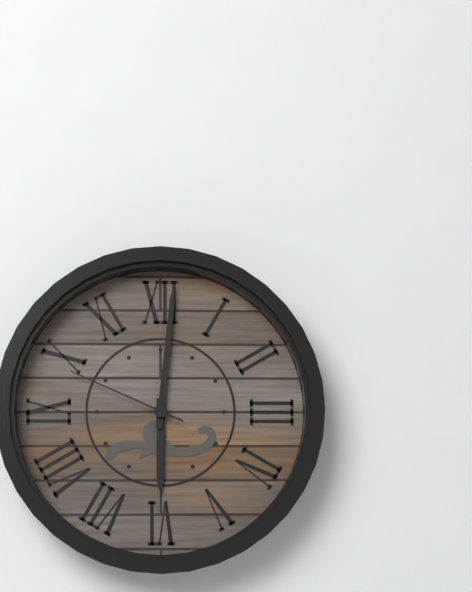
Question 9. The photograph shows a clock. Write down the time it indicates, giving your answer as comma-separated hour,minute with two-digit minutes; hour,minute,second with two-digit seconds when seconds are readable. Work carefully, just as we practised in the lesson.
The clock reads 6,01,49
